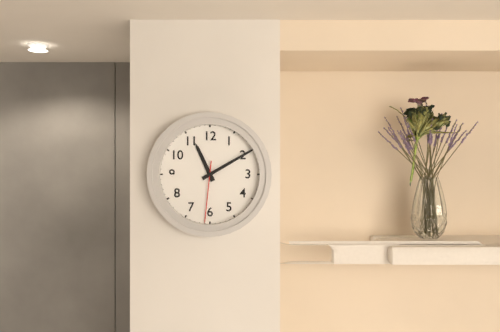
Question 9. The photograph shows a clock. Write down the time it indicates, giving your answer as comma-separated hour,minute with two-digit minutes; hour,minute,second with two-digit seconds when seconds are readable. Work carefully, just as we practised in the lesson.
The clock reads 11,10,31
